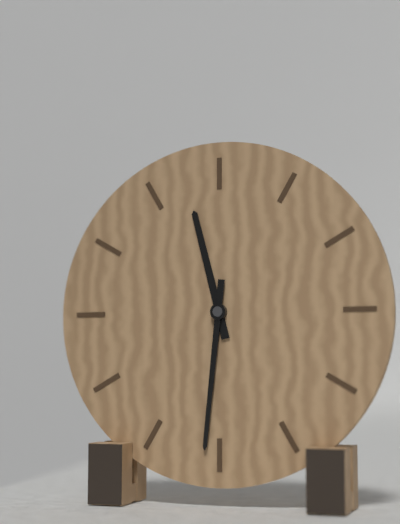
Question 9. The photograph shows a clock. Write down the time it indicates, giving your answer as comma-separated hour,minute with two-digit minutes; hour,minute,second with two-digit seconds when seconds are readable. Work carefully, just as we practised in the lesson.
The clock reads 11,31
